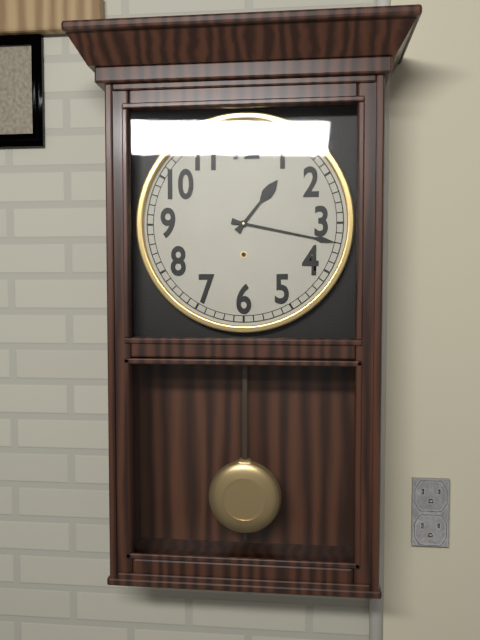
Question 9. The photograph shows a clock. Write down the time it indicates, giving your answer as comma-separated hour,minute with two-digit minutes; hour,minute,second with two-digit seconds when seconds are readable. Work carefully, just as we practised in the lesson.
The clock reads 1,17
